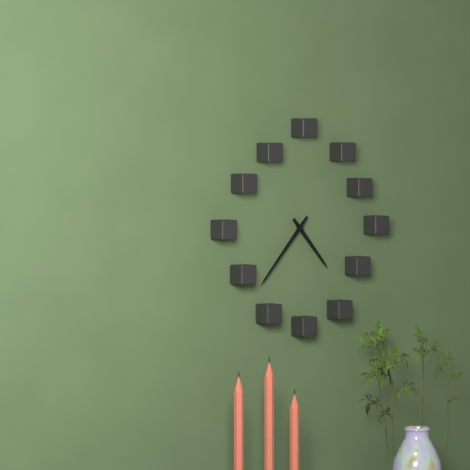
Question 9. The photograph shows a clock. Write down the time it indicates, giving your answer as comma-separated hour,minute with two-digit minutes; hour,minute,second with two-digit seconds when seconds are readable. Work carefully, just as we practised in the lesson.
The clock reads 4,37
